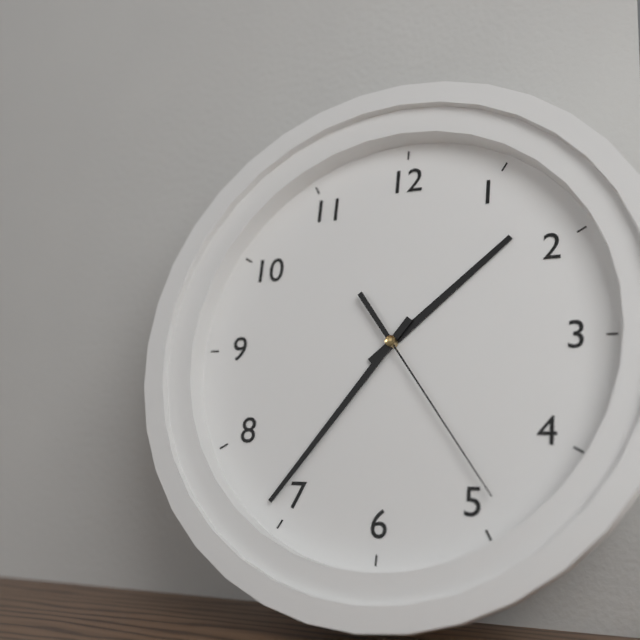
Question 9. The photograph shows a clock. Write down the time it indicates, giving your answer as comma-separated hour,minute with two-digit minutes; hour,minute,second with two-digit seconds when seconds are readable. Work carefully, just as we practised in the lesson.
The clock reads 1,36,24
